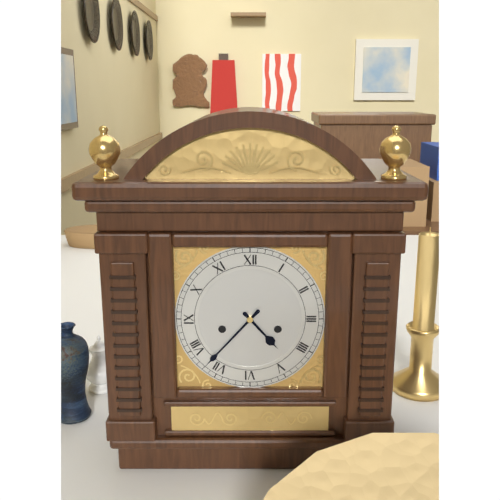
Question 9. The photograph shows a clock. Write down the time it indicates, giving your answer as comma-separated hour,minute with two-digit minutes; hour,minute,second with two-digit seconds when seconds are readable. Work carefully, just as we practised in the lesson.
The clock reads 4,37
